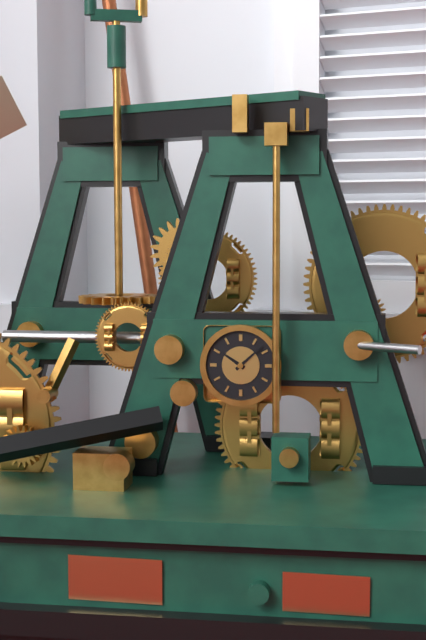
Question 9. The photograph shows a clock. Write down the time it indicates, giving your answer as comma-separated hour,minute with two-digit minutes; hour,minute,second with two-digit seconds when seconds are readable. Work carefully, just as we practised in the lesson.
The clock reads 10,08
